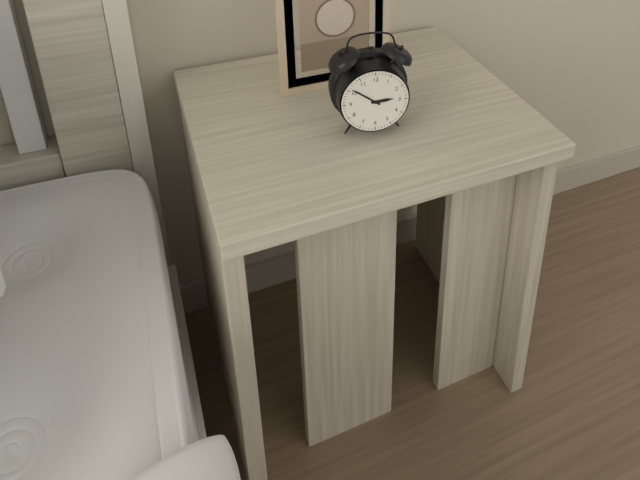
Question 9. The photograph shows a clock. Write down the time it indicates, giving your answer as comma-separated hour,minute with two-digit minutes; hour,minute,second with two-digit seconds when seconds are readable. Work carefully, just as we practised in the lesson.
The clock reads 2,51
